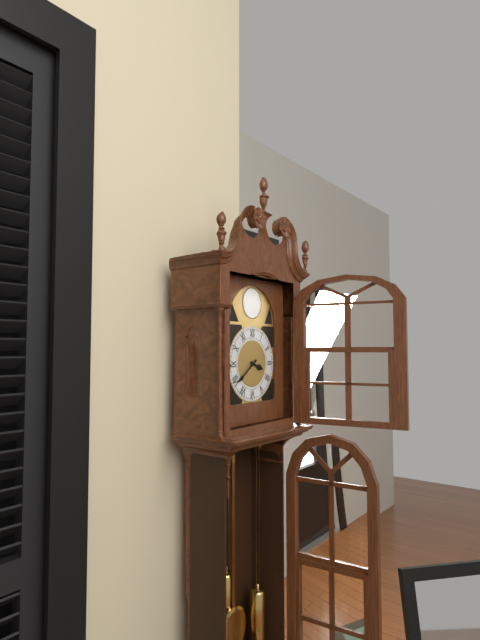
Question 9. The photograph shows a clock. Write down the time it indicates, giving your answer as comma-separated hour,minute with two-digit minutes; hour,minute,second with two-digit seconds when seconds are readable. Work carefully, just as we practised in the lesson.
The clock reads 3,39
